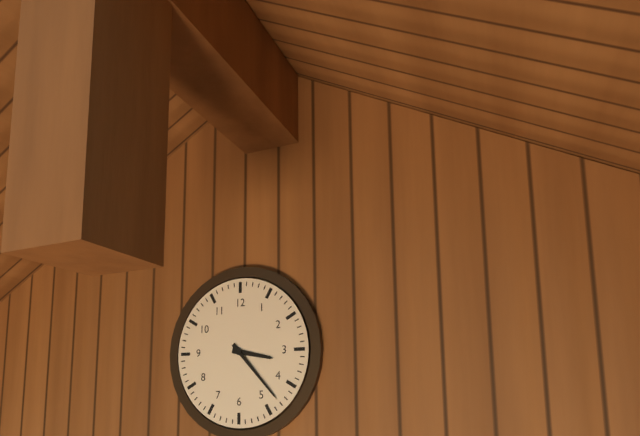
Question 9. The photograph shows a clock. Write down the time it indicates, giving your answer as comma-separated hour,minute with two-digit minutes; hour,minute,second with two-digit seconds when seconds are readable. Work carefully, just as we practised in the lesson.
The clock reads 3,23
